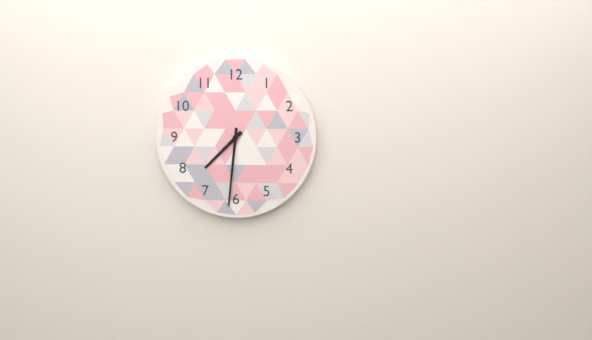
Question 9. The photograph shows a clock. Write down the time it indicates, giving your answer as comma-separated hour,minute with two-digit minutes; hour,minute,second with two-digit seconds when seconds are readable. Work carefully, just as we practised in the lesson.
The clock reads 7,31
